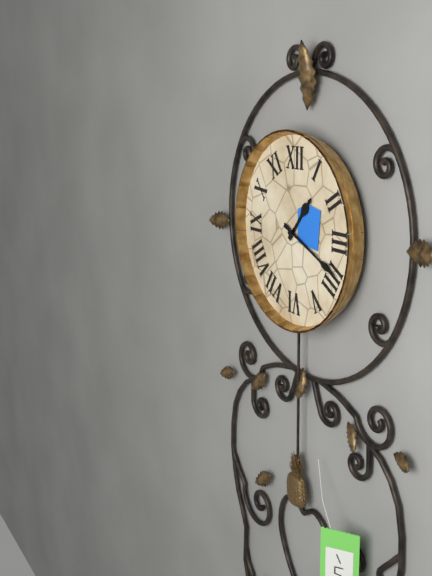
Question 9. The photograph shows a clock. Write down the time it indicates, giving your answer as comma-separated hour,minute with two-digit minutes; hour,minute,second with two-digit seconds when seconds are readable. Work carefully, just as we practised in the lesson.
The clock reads 1,19
